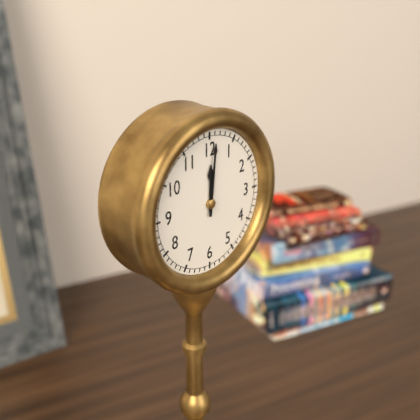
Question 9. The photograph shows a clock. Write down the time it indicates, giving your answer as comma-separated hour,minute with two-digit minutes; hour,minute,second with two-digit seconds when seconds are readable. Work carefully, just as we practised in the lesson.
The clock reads 12,01
